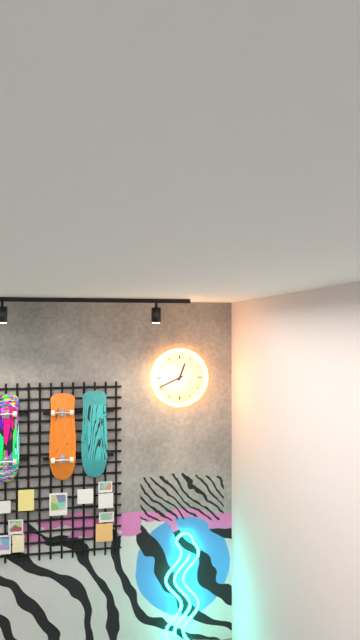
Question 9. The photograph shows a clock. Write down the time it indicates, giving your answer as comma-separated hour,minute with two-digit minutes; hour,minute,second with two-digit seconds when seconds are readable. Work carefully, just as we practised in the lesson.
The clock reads 12,41
